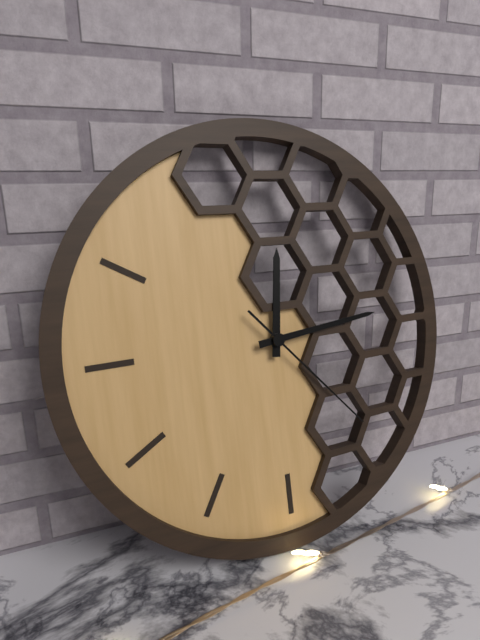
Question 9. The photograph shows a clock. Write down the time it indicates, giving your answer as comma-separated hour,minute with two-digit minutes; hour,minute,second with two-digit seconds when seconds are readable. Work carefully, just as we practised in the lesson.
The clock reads 12,14,23
